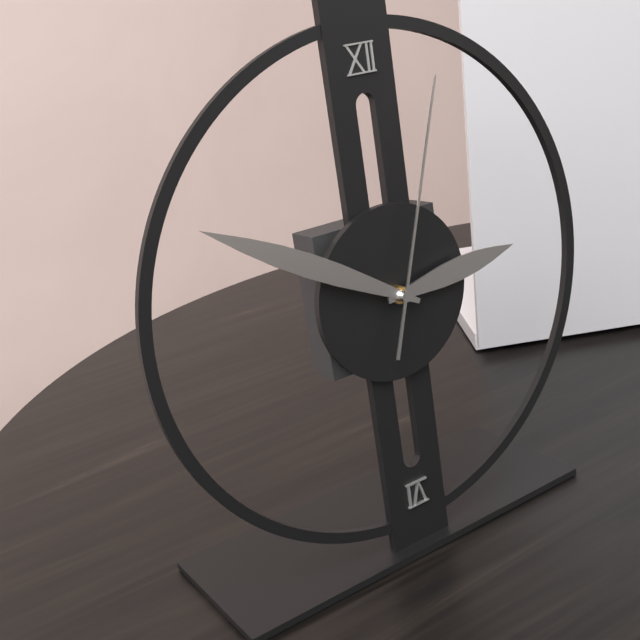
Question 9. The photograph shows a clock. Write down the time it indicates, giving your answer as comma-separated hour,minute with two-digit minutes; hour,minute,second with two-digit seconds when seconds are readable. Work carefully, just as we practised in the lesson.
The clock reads 2,50,03
